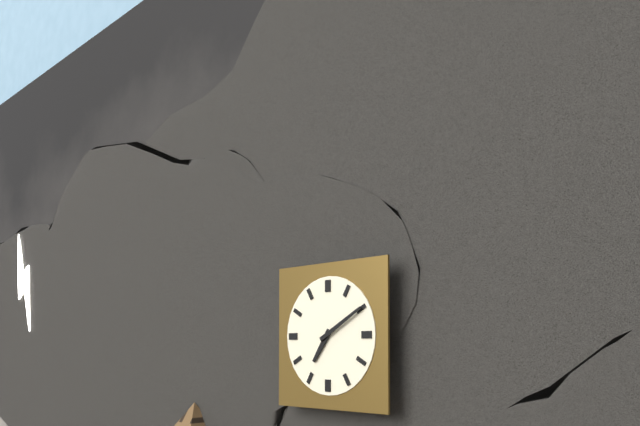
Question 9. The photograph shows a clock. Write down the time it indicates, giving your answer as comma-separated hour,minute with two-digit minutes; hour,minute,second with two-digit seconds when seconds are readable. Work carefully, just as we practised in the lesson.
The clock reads 7,10
